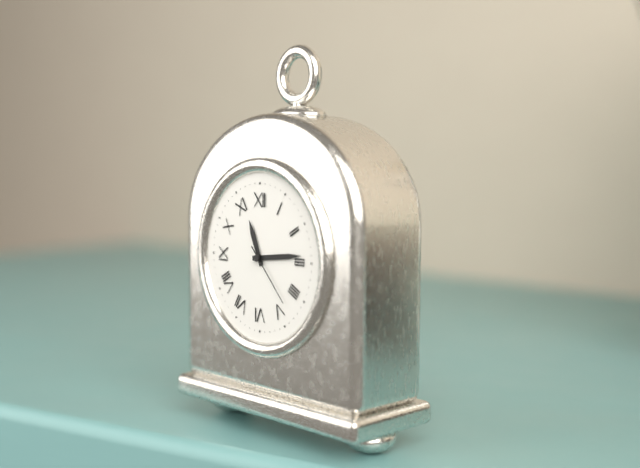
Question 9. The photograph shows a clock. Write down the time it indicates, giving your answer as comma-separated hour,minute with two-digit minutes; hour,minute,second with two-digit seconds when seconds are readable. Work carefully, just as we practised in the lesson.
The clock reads 11,14,23
